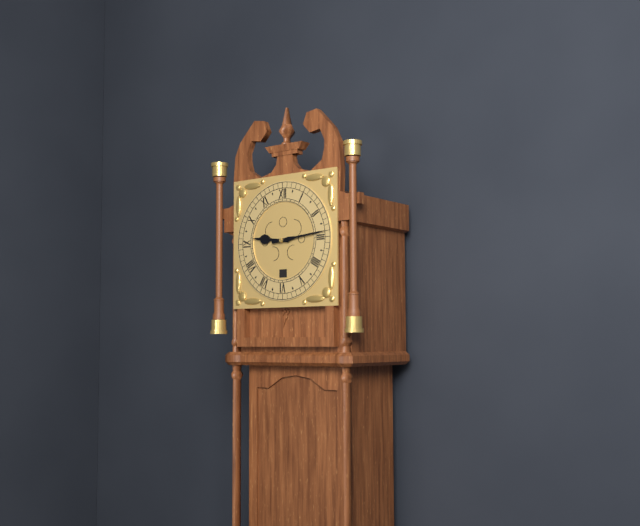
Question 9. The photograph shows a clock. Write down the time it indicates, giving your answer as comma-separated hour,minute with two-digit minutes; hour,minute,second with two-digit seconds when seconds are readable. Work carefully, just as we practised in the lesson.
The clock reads 9,14
